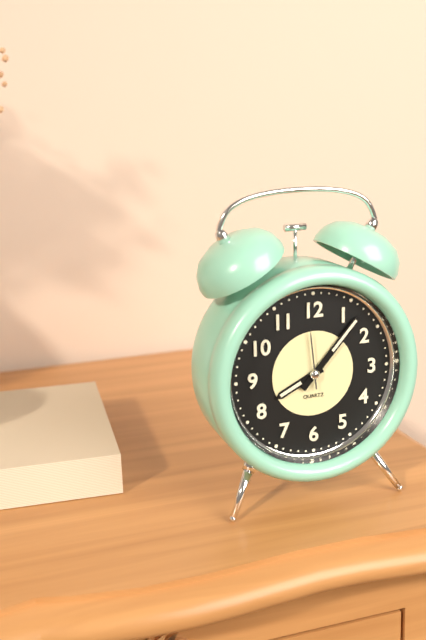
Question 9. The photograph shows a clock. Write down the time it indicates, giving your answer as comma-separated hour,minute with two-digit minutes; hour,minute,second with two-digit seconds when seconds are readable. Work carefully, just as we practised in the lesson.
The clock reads 8,07
